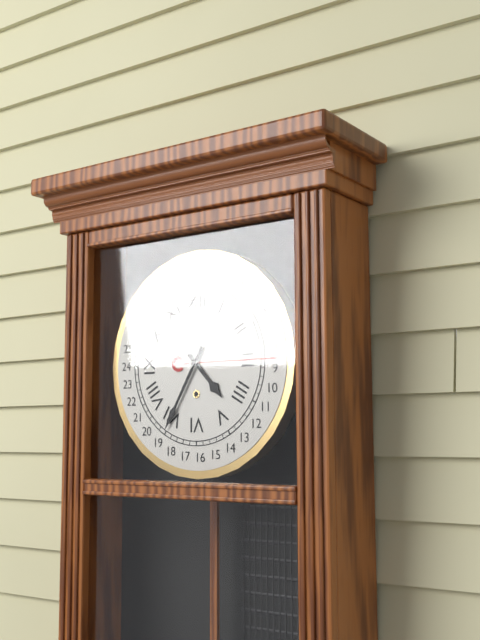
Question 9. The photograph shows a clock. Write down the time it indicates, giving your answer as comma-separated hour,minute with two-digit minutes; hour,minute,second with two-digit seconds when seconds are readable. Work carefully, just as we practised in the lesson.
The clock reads 4,35
